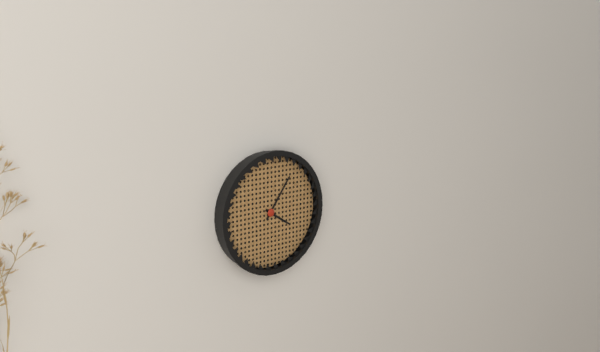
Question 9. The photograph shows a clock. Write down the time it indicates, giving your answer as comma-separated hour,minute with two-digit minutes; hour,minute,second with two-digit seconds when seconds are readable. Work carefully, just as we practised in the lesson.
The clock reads 4,06
